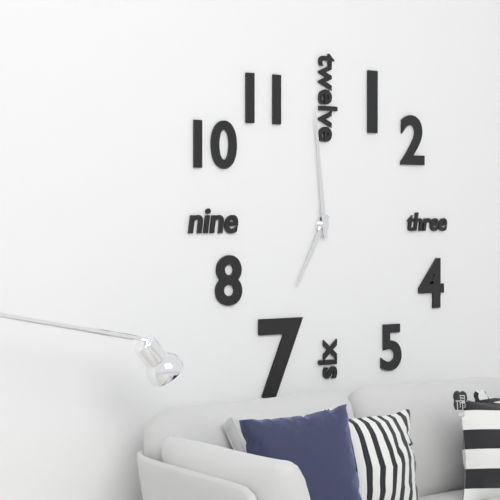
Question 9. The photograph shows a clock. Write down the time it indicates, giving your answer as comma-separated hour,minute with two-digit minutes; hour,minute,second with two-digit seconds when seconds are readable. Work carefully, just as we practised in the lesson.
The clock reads 6,59
